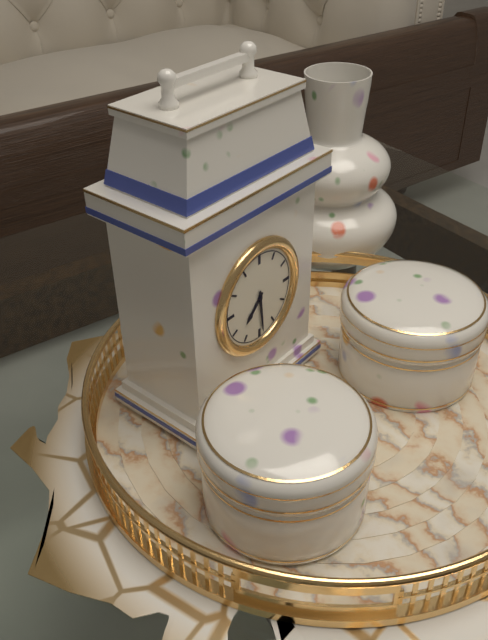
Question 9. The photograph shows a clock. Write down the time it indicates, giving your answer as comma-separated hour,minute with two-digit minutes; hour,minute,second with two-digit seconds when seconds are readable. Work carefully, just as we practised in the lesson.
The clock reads 7,29
